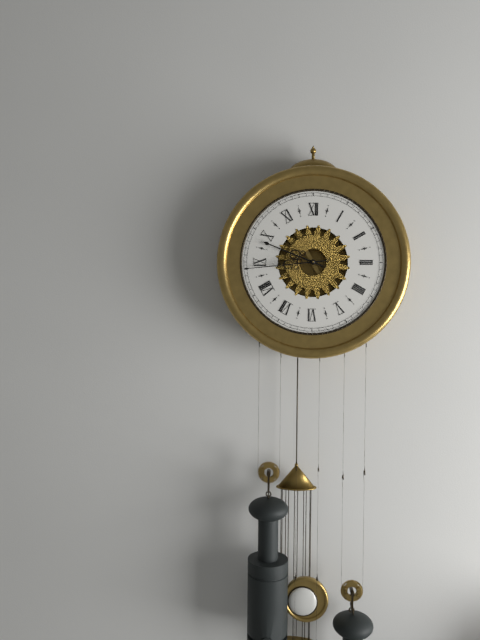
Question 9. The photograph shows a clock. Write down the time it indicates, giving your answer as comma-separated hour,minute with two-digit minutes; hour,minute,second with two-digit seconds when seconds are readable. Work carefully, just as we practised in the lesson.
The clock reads 9,44
